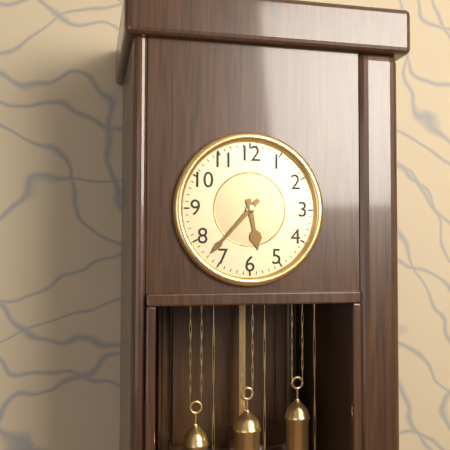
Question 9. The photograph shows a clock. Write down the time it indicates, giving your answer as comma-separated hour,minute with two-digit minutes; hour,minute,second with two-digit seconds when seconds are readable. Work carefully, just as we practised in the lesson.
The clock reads 5,37
